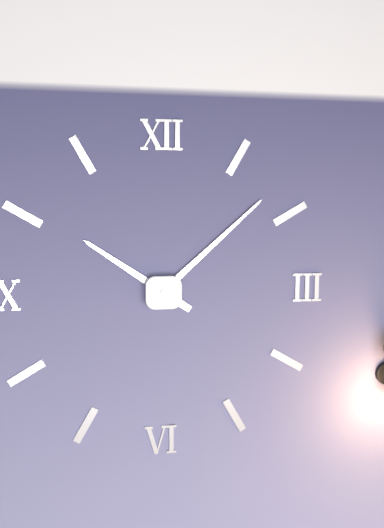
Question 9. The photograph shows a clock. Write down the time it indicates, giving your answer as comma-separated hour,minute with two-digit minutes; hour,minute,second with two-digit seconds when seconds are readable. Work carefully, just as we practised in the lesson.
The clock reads 10,08
